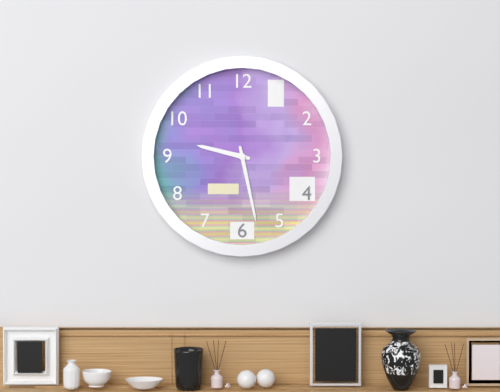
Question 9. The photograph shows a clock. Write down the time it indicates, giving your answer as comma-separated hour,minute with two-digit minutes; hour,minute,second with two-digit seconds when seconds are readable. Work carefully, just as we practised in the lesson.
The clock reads 9,28
